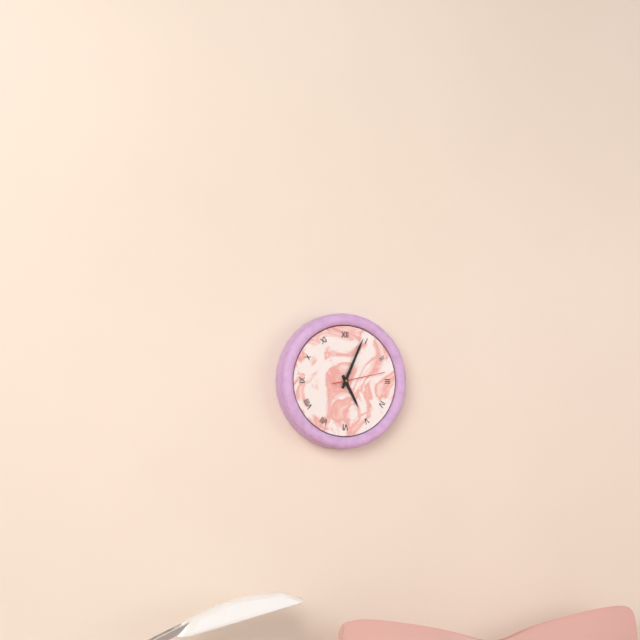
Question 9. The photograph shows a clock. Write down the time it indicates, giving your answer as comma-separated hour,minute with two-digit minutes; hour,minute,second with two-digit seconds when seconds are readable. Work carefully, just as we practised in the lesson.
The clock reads 5,04
